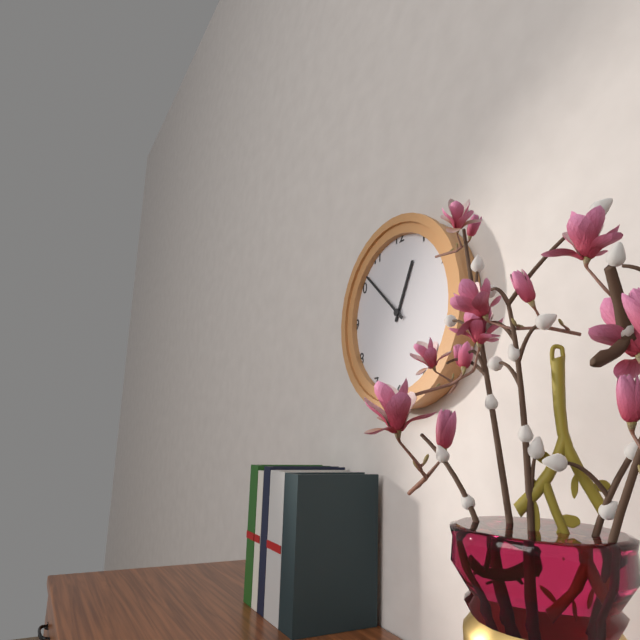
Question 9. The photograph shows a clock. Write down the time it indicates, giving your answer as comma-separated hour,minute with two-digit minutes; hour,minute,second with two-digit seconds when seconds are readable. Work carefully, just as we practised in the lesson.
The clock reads 12,52
